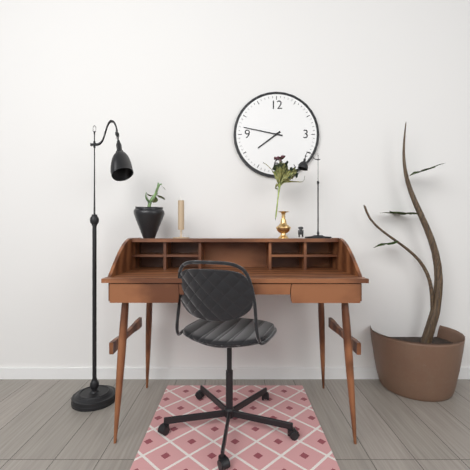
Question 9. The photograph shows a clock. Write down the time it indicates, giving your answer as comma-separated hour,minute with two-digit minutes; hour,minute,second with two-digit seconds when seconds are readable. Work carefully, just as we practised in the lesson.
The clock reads 7,47
